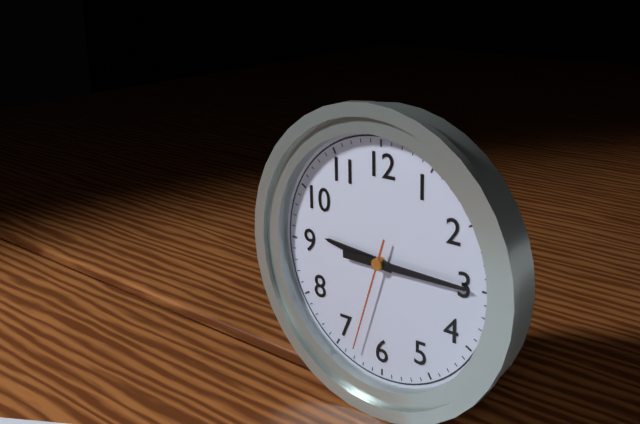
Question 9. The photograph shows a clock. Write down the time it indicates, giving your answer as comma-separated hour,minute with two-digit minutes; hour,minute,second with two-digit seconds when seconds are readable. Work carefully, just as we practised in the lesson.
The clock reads 9,15,33
